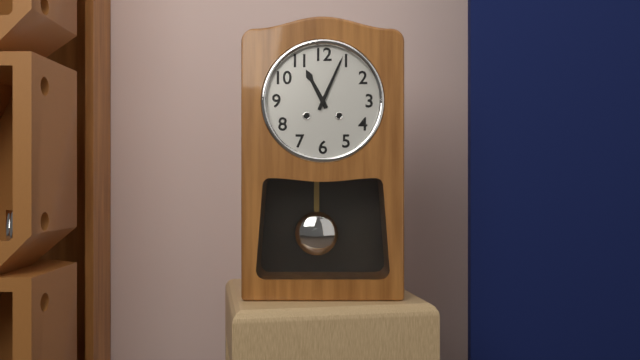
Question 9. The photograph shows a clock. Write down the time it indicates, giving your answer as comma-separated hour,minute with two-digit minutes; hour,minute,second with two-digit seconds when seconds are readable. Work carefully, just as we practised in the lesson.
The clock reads 11,04
